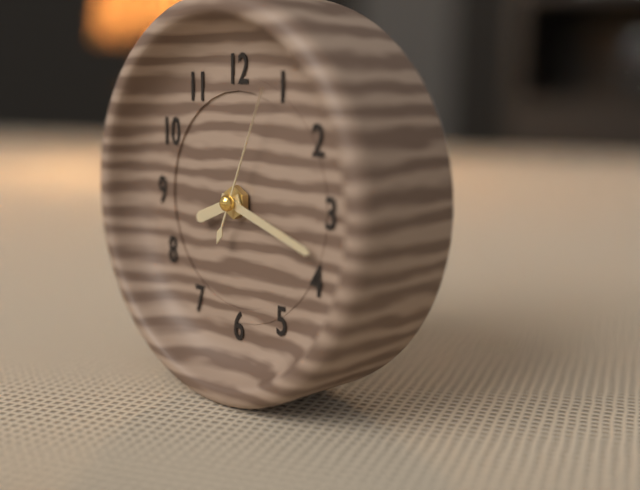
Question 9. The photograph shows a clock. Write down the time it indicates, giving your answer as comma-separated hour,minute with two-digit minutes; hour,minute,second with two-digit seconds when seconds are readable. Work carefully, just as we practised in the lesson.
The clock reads 8,18,04
